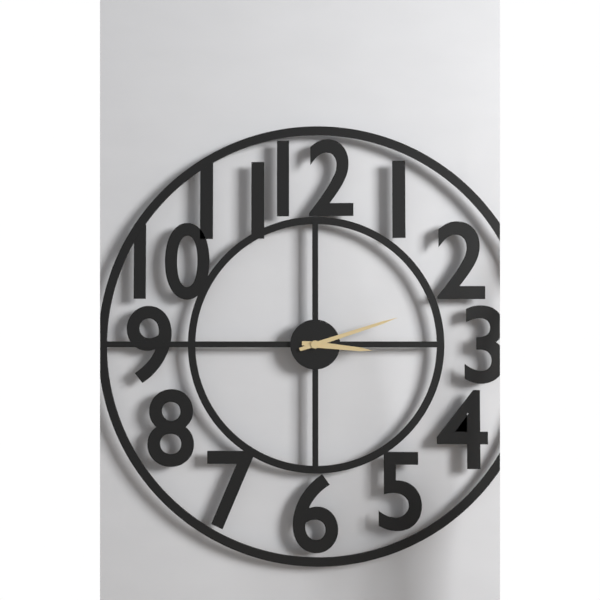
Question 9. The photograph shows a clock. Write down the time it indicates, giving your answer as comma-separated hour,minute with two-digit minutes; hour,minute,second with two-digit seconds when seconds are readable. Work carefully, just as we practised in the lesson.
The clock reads 3,12
